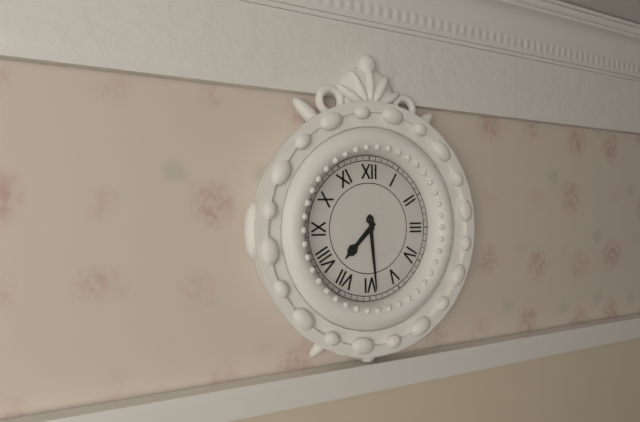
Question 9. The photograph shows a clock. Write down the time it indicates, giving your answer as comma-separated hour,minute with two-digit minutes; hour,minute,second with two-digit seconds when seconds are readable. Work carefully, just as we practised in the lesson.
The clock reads 7,29
